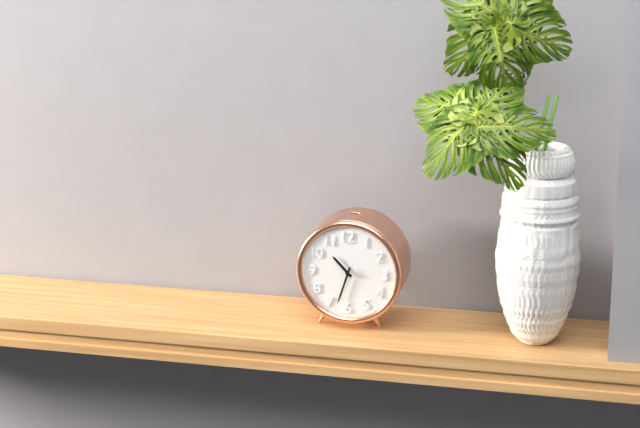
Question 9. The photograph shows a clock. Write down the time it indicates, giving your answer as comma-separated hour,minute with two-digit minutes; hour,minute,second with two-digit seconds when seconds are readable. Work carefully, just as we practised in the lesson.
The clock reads 10,33
